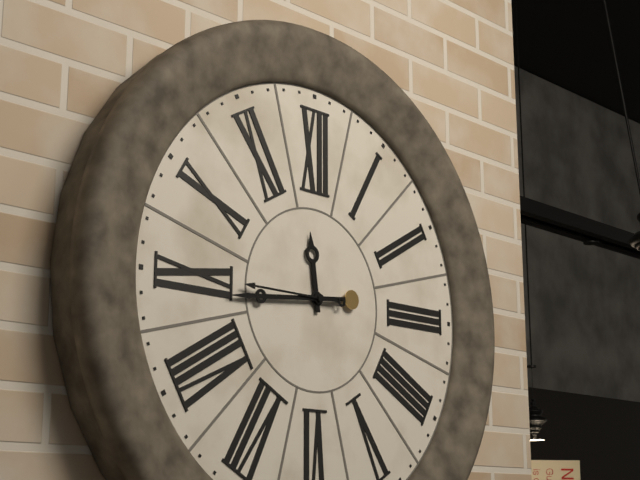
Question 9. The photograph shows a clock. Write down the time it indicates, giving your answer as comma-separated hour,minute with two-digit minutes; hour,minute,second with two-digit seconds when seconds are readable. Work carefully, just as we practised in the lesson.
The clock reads 11,44,45
